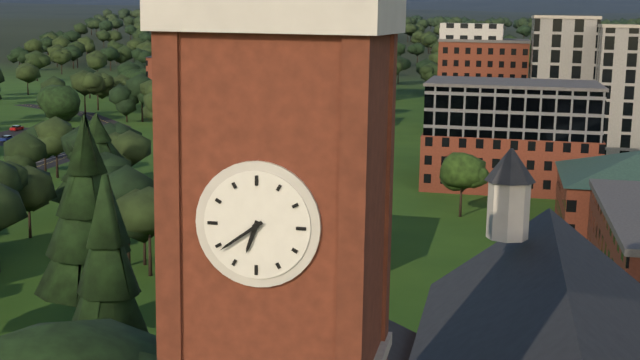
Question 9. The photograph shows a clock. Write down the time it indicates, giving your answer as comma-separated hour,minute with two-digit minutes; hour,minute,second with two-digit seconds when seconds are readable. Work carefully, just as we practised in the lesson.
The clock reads 6,39
